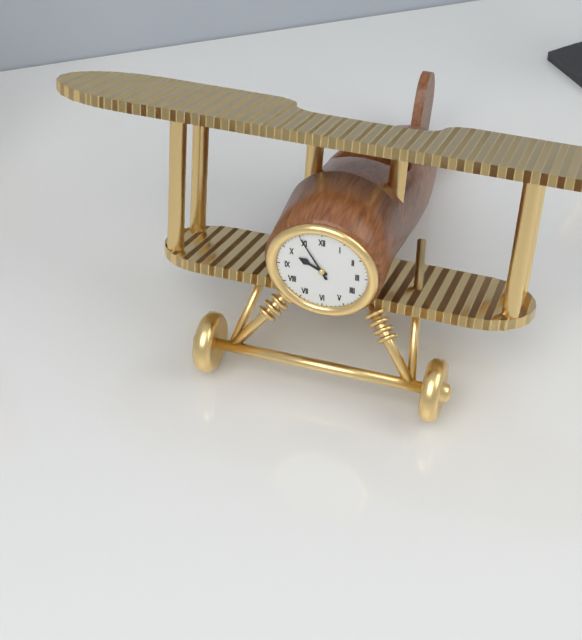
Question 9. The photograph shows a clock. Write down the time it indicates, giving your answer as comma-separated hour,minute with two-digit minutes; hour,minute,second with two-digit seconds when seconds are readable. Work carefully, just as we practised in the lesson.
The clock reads 9,55
